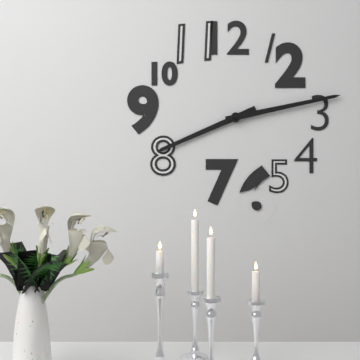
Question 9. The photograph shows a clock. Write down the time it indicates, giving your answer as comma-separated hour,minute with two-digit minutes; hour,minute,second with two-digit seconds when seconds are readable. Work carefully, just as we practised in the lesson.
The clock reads 8,13
